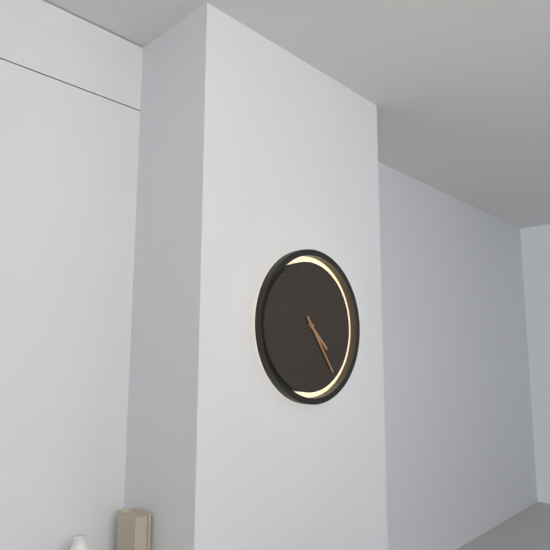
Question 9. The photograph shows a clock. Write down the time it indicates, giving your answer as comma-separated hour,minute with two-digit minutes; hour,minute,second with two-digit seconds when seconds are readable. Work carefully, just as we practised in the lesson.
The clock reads 4,24
